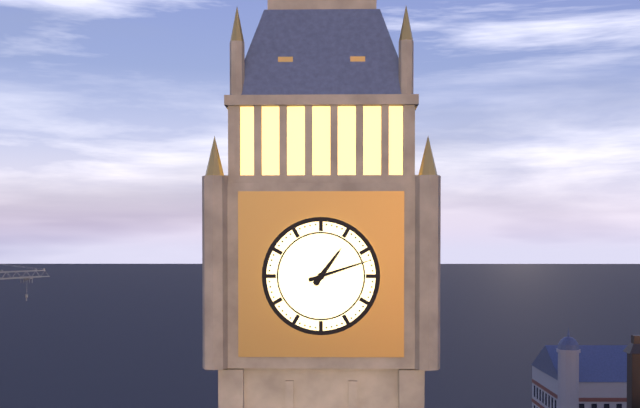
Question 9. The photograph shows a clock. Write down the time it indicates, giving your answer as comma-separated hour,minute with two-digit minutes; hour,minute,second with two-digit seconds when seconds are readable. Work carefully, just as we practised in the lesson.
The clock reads 1,12
